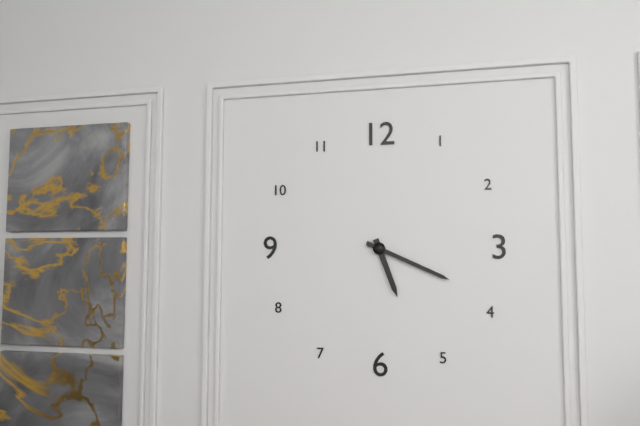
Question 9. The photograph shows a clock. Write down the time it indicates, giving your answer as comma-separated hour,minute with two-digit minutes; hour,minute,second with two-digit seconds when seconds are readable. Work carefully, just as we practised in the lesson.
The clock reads 5,19
